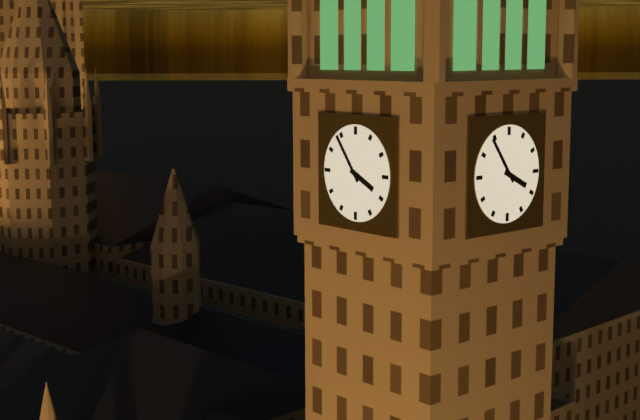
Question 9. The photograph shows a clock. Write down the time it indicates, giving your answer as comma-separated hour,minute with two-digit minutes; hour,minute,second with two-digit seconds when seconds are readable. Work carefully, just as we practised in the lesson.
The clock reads 3,54
